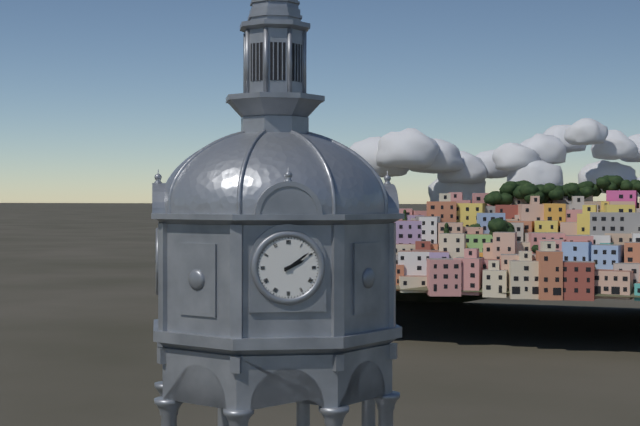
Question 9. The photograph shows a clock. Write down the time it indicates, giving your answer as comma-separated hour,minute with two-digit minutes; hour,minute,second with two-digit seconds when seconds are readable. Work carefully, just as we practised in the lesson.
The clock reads 2,09
